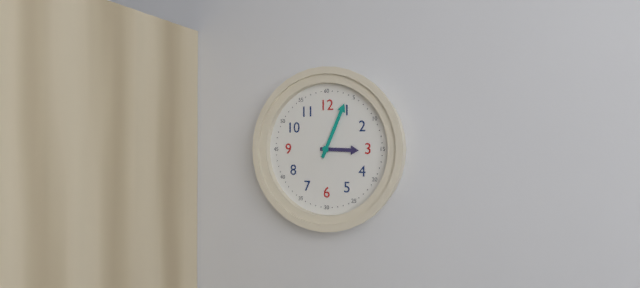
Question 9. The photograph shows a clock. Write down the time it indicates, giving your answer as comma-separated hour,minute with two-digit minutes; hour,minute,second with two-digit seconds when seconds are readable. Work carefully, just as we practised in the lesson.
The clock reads 3,04
